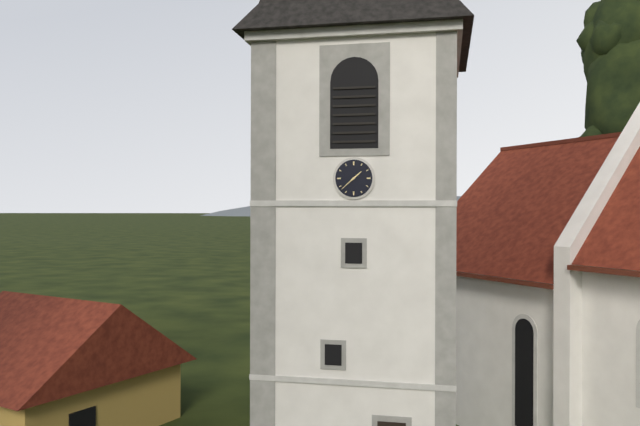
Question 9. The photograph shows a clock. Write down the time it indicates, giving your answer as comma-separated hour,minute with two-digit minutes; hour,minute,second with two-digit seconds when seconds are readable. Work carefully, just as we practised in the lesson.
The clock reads 1,38
